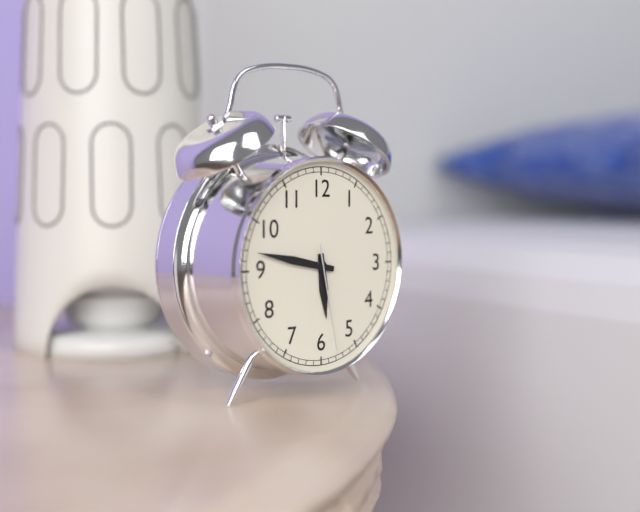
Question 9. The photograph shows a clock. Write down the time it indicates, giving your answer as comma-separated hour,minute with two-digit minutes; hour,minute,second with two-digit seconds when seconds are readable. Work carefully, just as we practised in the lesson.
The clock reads 5,47,28
